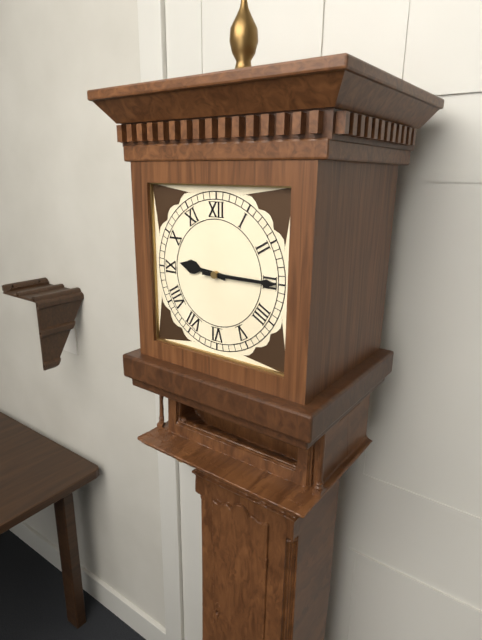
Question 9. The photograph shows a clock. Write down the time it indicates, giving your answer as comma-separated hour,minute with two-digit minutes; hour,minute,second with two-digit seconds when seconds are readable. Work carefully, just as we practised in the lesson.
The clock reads 9,15
